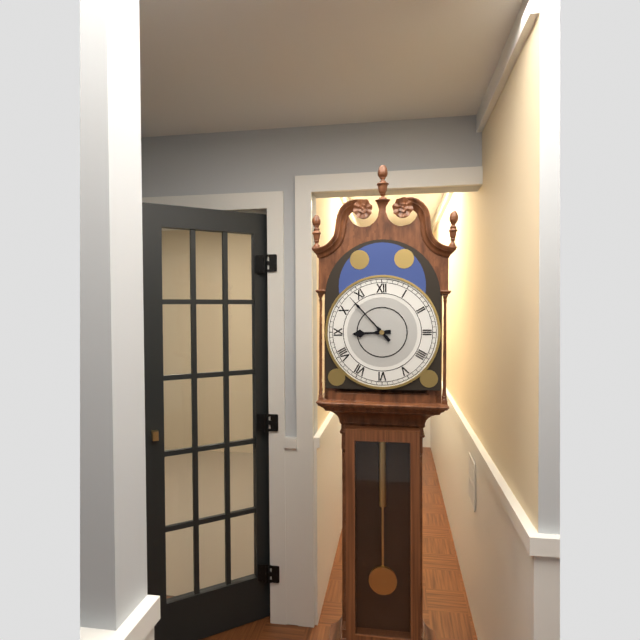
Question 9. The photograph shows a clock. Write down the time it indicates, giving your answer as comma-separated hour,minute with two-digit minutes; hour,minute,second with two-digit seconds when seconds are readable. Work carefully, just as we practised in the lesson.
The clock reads 8,53
